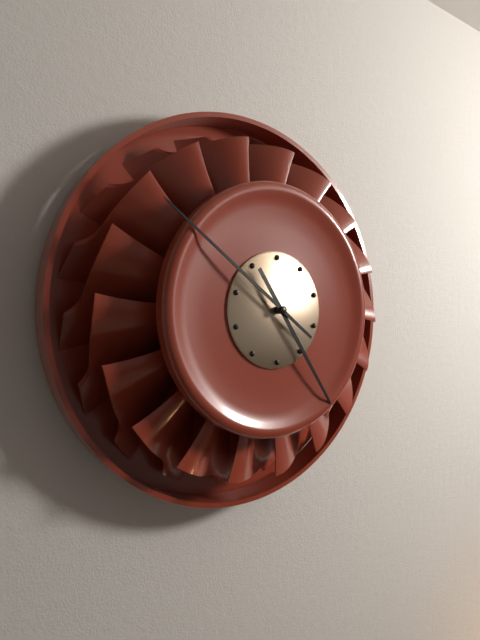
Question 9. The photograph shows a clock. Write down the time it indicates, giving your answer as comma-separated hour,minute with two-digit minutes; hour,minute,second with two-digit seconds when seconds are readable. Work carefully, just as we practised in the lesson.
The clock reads 4,51
